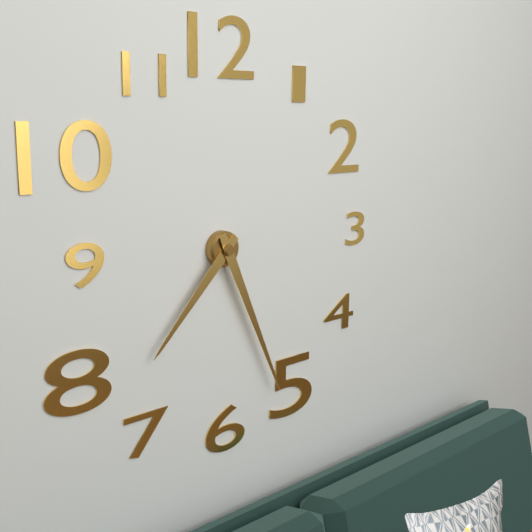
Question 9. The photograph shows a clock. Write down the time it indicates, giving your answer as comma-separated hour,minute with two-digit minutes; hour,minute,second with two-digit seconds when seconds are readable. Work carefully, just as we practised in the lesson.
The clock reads 7,26
